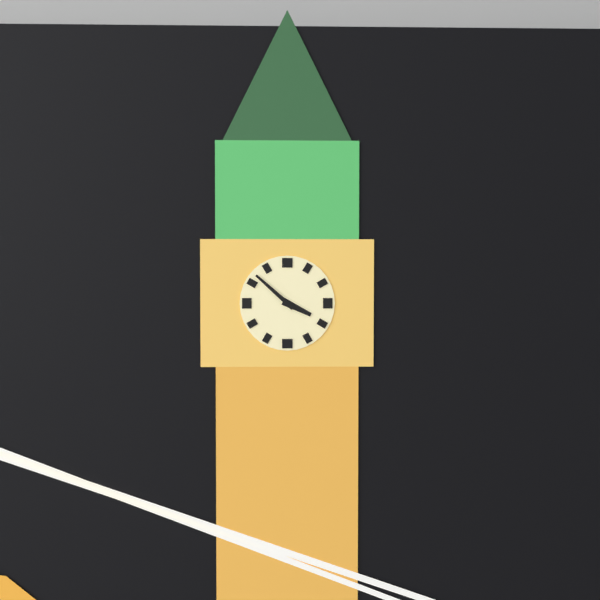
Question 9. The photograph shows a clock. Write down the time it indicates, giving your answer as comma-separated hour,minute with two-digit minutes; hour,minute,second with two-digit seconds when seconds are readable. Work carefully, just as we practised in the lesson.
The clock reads 3,52
